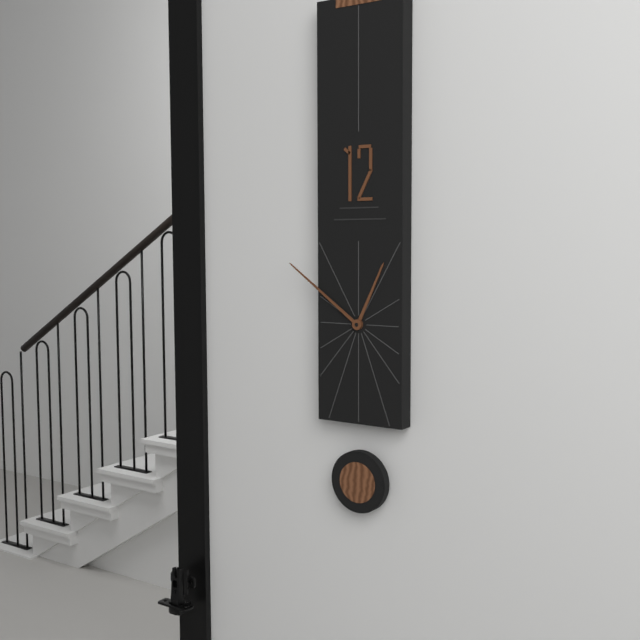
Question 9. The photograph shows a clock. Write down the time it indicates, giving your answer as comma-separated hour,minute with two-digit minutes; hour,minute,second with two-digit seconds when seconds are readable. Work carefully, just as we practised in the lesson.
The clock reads 12,51
